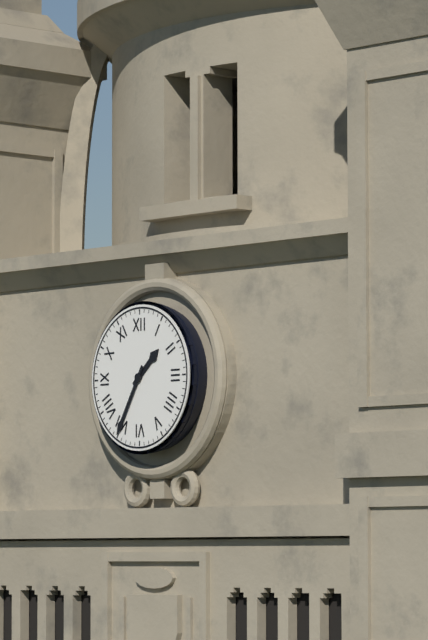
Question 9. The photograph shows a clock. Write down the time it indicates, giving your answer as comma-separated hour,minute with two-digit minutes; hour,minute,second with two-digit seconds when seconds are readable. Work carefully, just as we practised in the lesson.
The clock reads 1,35
